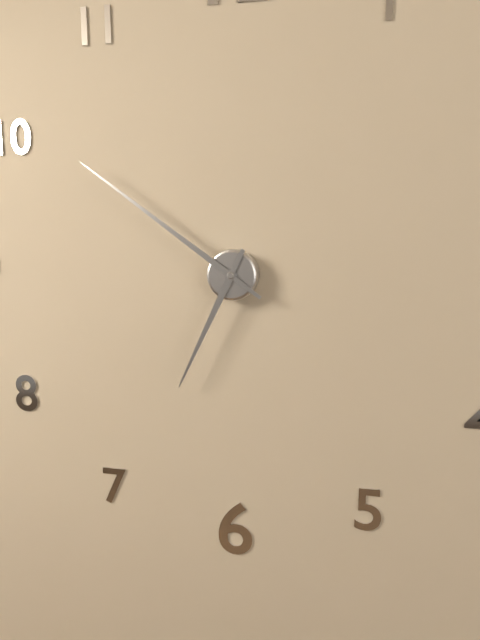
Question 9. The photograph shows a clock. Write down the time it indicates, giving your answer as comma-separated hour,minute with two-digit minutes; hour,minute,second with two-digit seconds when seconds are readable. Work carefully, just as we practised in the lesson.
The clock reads 6,51
